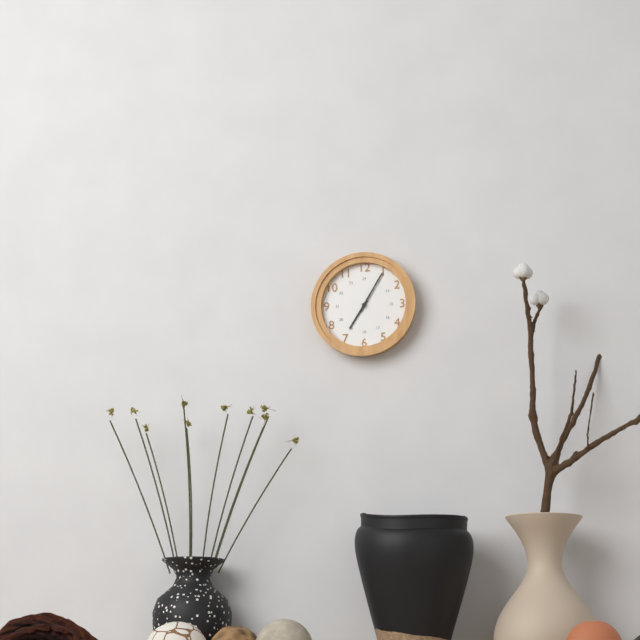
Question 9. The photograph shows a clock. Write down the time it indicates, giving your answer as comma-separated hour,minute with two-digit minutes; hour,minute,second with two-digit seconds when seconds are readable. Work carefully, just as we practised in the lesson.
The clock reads 7,05
